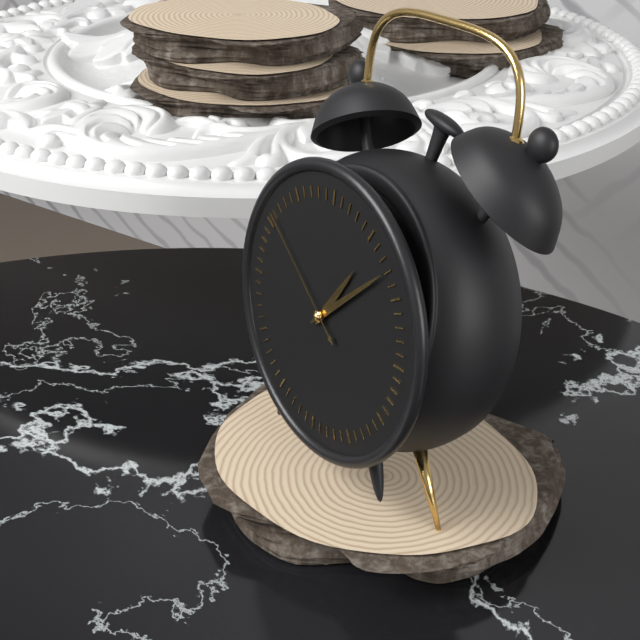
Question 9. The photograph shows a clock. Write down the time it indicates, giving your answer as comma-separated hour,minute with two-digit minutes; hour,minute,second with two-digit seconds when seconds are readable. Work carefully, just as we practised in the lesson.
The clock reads 1,08,51
